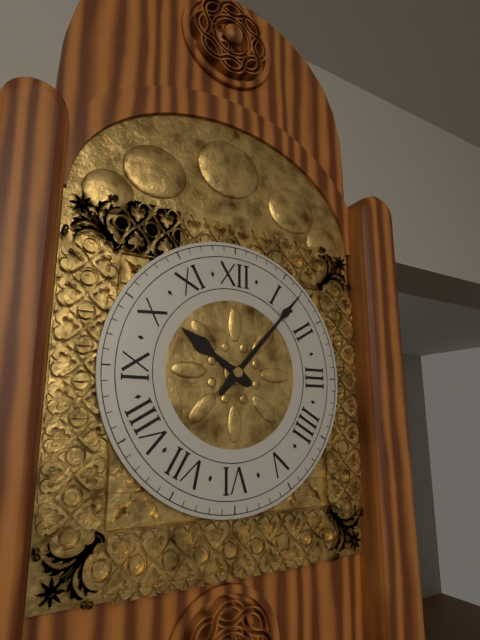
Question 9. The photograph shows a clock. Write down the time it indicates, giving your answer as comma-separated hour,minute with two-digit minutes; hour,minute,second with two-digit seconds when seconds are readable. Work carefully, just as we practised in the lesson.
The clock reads 10,07
